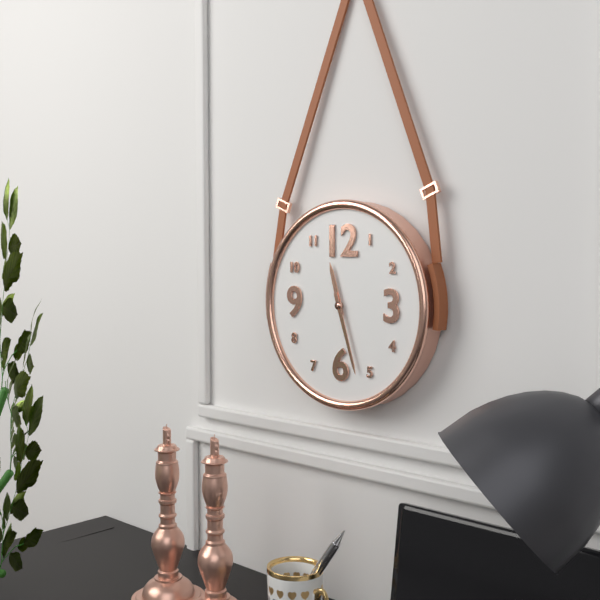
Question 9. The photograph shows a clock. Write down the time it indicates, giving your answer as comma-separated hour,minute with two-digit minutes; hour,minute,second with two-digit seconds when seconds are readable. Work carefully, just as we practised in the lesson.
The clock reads 11,27
